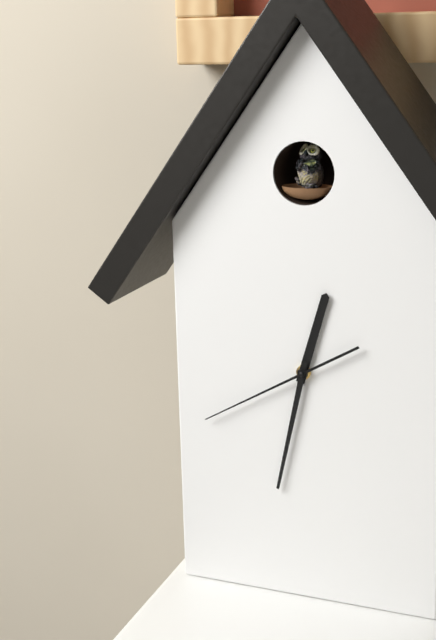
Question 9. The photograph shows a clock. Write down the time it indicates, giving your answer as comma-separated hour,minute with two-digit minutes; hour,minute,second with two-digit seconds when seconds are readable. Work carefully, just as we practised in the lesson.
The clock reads 12,32,40
